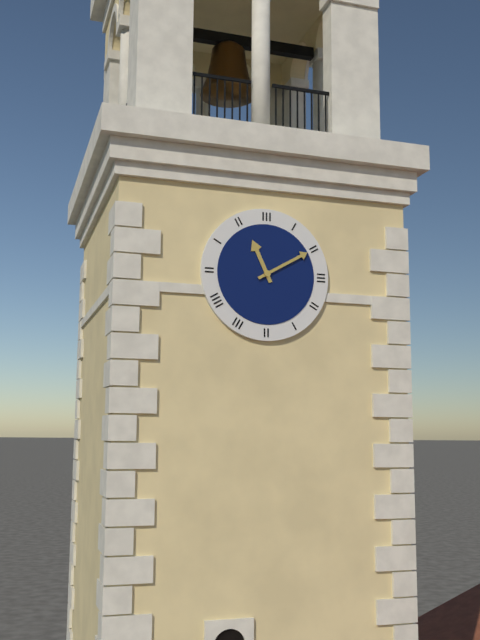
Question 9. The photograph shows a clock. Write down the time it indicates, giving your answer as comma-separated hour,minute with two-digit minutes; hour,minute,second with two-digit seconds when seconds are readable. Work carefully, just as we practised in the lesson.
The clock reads 11,10
